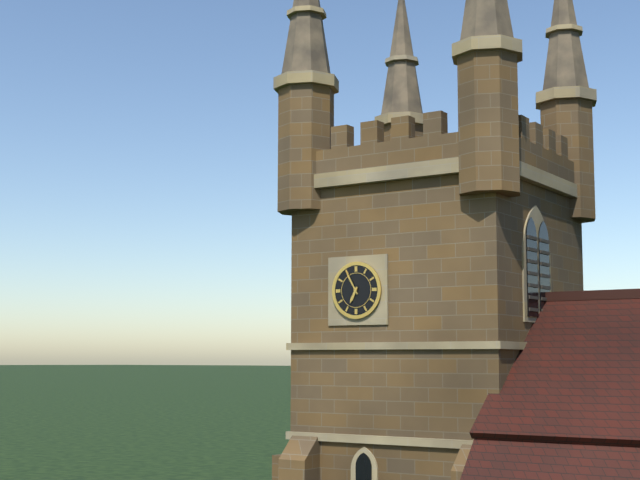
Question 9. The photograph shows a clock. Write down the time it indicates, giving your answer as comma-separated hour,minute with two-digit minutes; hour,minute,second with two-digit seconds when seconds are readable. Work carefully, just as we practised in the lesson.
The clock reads 6,55
